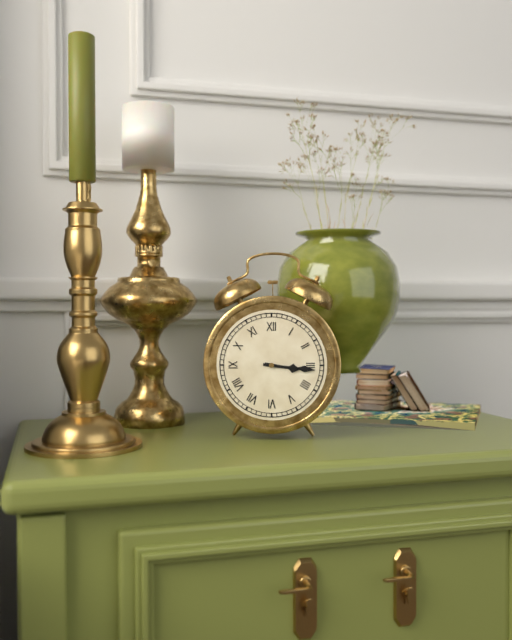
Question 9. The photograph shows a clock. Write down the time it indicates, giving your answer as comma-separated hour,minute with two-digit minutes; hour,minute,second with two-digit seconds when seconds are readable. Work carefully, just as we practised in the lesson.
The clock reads 3,16
